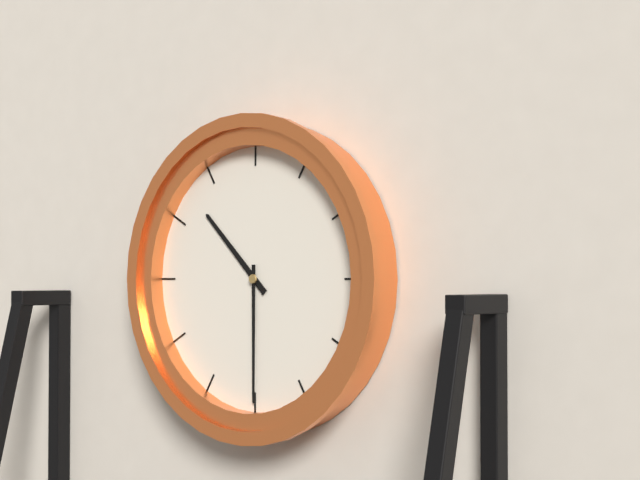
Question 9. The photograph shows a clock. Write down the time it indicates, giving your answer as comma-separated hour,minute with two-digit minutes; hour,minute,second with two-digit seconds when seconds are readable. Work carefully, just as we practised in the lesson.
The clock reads 10,30
